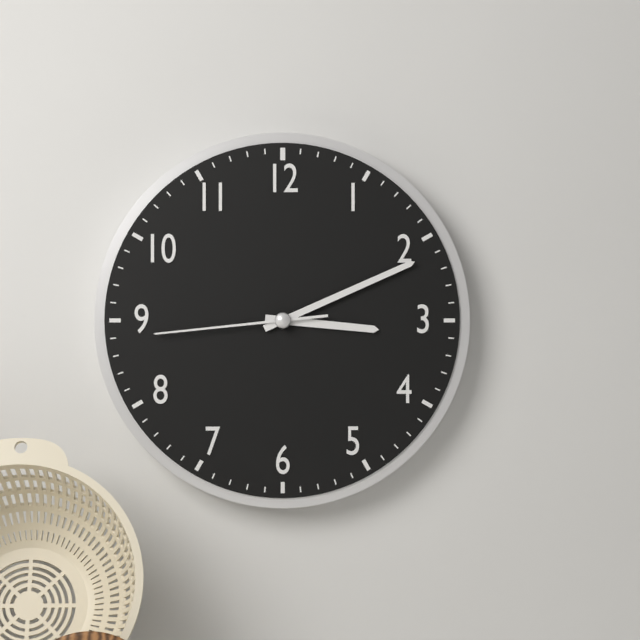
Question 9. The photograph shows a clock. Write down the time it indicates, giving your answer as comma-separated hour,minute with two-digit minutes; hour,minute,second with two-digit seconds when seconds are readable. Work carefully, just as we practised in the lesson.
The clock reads 3,11,44
